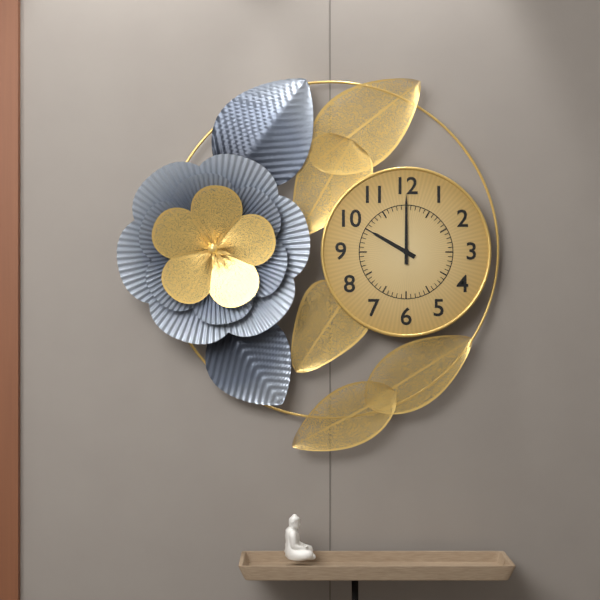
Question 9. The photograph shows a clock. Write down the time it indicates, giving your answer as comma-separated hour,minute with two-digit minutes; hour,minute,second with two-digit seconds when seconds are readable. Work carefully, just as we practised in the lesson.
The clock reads 10,00
